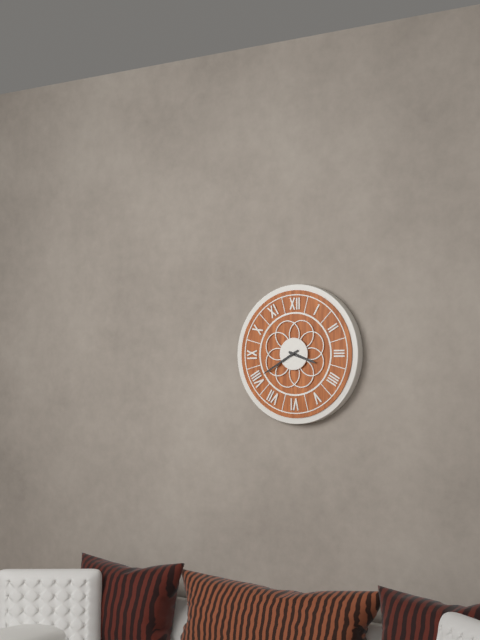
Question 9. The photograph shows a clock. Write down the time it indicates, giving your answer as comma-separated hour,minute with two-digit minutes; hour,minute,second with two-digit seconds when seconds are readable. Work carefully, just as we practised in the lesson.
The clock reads 3,40
